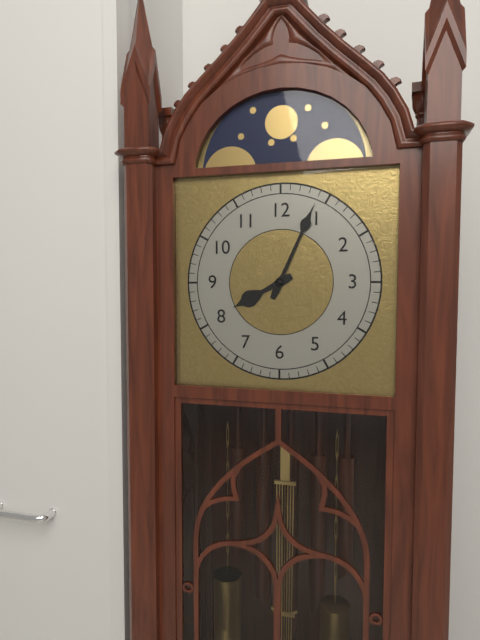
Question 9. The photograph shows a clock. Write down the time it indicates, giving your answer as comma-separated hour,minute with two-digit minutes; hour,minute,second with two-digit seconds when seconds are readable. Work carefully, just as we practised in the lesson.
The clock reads 8,04
